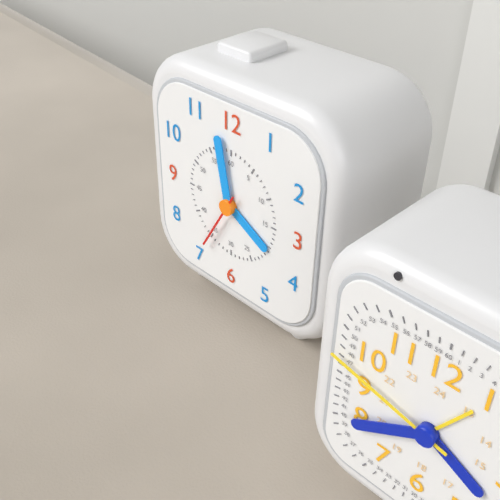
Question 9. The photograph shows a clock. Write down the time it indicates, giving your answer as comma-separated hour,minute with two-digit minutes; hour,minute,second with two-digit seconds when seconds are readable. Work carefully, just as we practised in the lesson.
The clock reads 3,58,35
